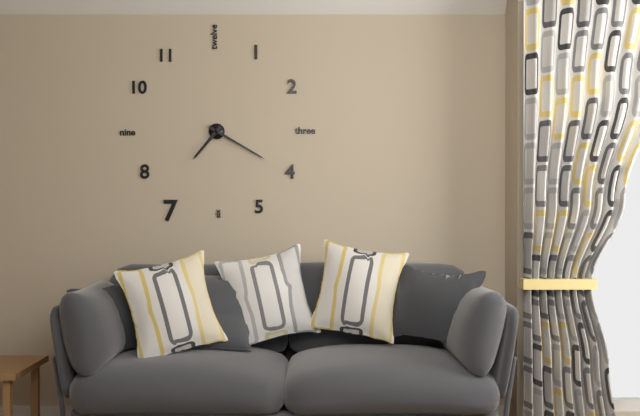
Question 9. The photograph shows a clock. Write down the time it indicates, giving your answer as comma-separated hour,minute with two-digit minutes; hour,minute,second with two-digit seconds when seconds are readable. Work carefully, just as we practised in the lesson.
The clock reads 7,20
